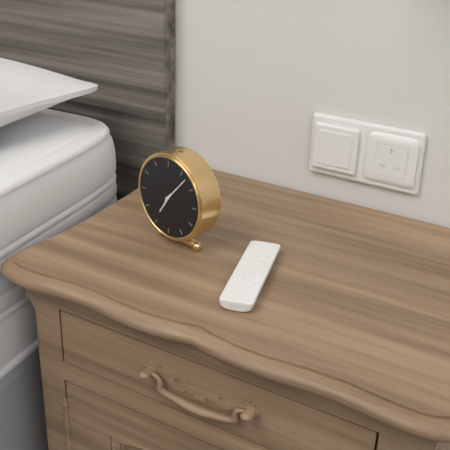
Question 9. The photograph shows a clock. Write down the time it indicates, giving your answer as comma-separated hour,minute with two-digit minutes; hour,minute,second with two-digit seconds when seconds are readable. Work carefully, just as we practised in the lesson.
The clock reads 7,07
